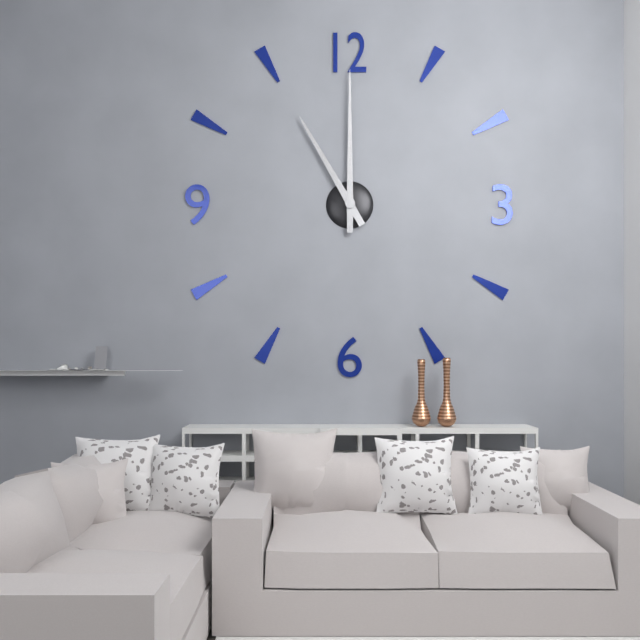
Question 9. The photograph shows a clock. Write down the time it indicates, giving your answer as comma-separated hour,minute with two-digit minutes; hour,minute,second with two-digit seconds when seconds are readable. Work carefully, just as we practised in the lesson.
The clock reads 11,00
